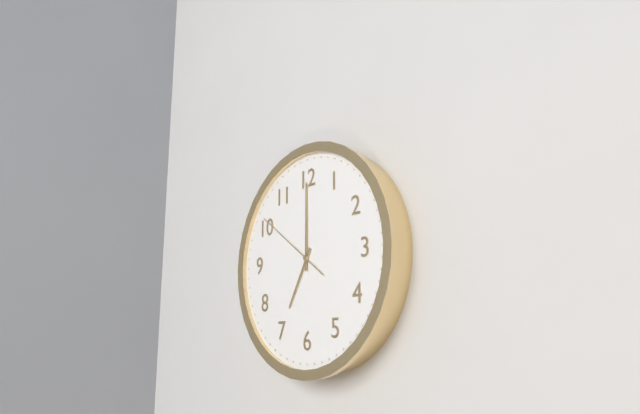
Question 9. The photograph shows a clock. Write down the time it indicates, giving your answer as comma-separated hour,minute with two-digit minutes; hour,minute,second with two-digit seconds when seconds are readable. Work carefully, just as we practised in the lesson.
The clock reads 7,00,51
